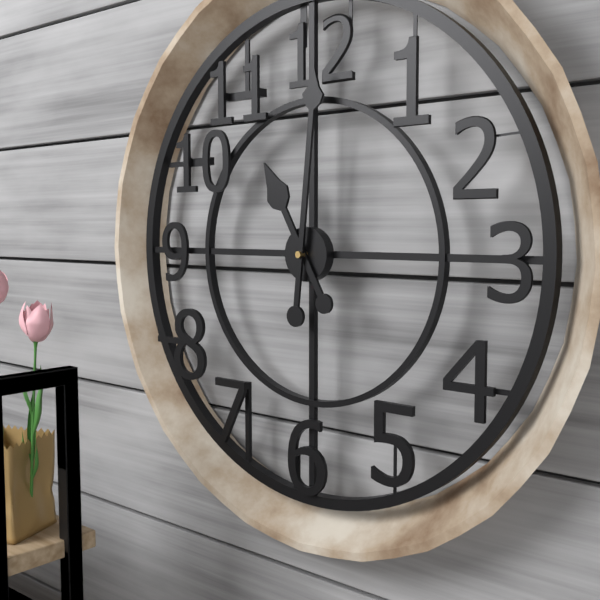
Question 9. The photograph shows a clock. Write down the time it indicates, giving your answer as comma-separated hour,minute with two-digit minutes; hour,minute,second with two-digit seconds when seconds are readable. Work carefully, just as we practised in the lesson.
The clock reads 11,01
